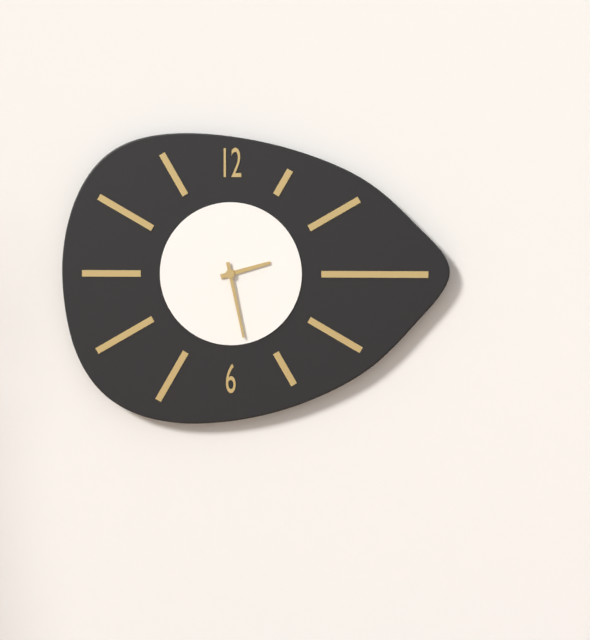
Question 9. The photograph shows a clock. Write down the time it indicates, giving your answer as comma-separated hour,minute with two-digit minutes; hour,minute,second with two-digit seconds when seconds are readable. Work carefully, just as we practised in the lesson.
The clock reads 2,28
